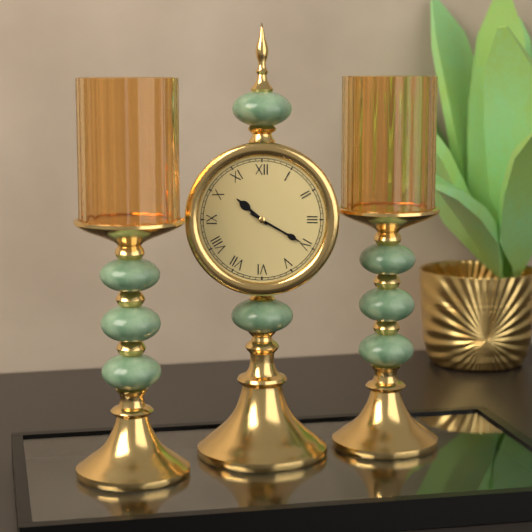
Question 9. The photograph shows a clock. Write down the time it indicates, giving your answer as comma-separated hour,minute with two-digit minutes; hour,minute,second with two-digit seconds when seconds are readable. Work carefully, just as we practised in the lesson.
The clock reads 10,20
